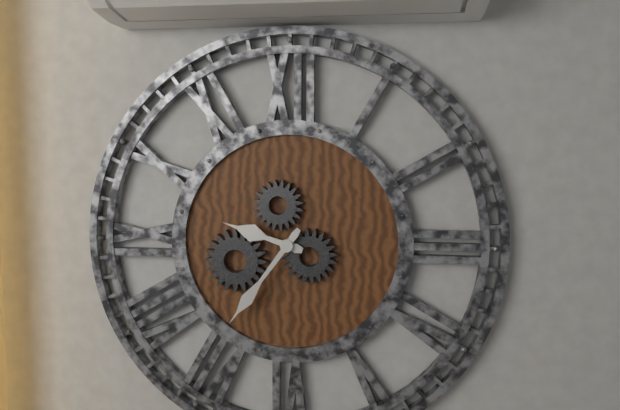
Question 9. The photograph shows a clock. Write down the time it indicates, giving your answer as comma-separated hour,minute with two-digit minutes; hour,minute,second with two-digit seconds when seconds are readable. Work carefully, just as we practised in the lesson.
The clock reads 9,36
